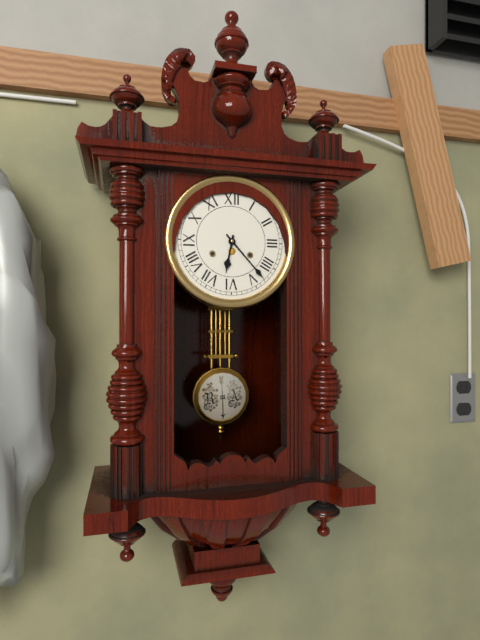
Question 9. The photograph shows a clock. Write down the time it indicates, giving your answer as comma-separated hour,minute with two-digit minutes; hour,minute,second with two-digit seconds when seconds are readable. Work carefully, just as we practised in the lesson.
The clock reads 6,23
